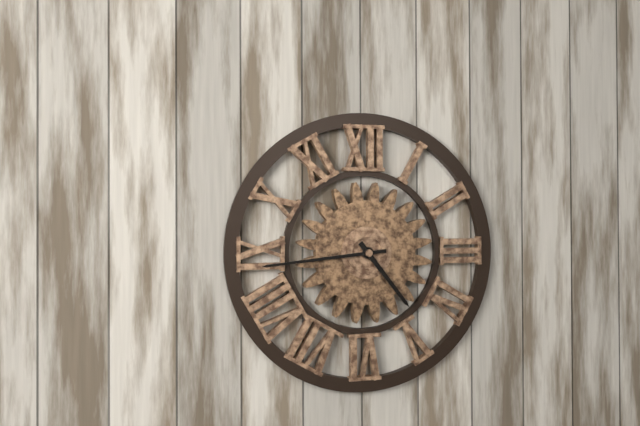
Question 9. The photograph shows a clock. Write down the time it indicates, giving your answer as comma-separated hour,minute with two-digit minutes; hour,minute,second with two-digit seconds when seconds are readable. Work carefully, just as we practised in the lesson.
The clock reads 4,44
